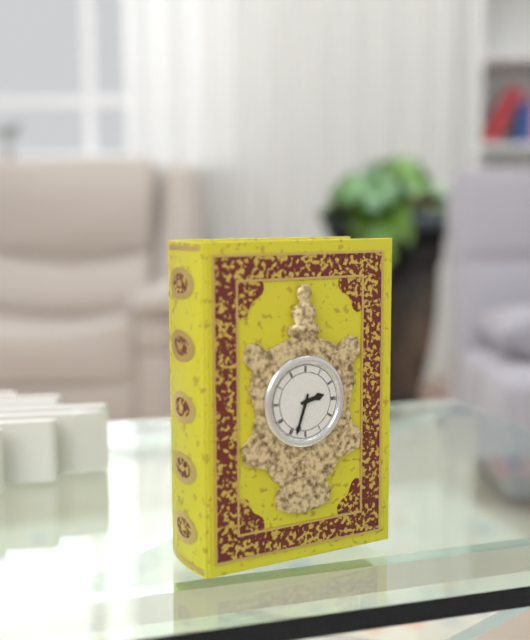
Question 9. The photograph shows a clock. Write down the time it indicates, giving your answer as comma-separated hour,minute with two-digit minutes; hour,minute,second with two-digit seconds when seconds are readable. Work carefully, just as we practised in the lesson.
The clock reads 2,33
